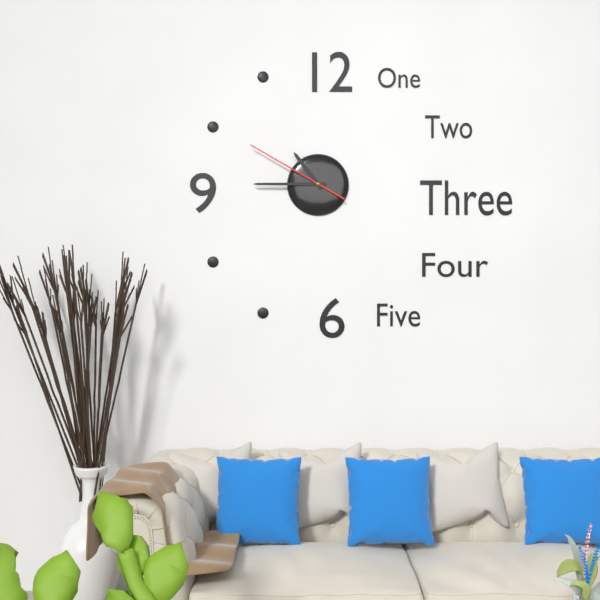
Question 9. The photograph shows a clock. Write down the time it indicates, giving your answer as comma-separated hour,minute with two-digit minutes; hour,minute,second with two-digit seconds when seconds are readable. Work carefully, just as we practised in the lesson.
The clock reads 10,45,50
